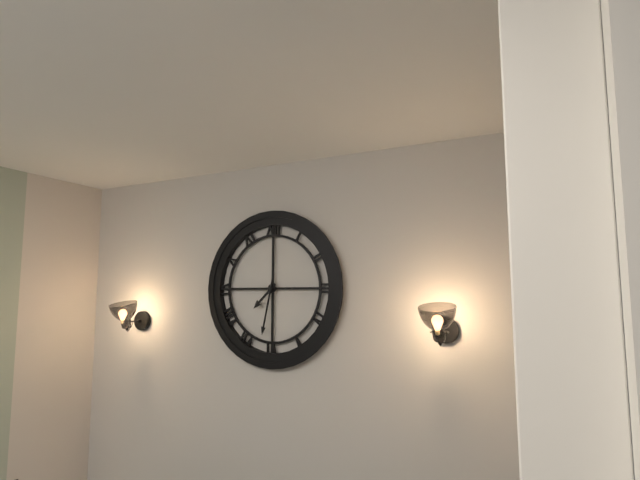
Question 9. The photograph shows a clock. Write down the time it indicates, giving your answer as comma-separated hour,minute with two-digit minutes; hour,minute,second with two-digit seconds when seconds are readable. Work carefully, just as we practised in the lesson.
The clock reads 7,32
